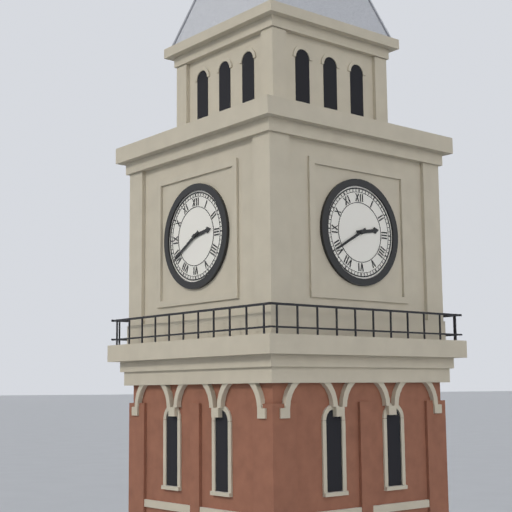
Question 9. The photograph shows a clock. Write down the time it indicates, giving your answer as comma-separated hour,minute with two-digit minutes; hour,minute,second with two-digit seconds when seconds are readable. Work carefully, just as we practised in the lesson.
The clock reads 2,40
